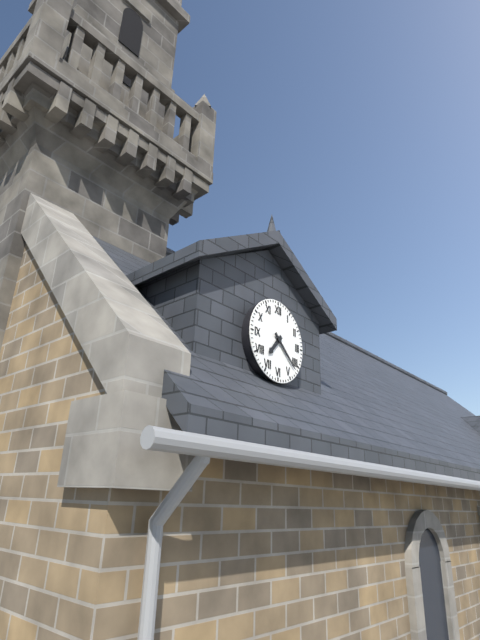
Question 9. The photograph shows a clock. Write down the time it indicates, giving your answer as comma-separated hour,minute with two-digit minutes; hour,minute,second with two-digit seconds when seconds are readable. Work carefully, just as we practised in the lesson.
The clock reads 7,22
